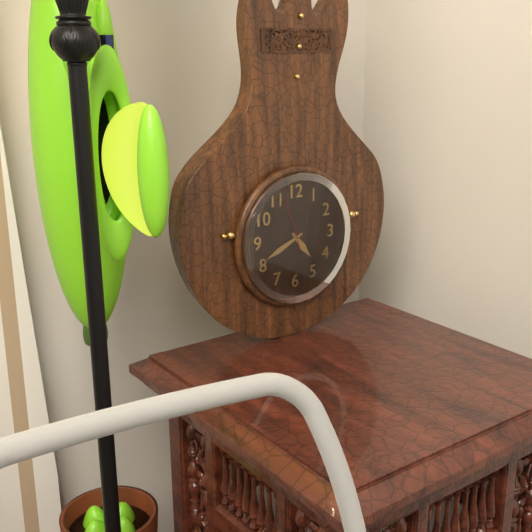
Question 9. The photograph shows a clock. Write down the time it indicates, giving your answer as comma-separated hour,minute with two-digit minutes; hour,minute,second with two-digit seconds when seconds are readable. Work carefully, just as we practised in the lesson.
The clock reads 4,41
